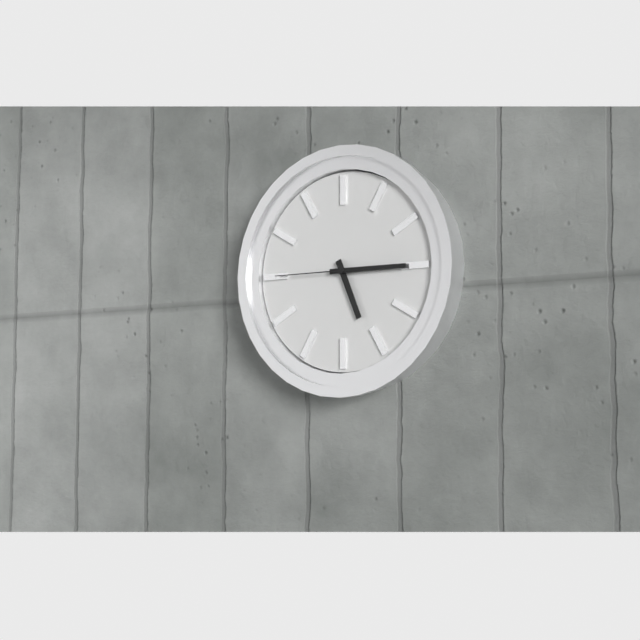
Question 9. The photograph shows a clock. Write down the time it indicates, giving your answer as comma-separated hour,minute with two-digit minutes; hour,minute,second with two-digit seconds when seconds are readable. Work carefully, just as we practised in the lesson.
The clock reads 5,15,45
